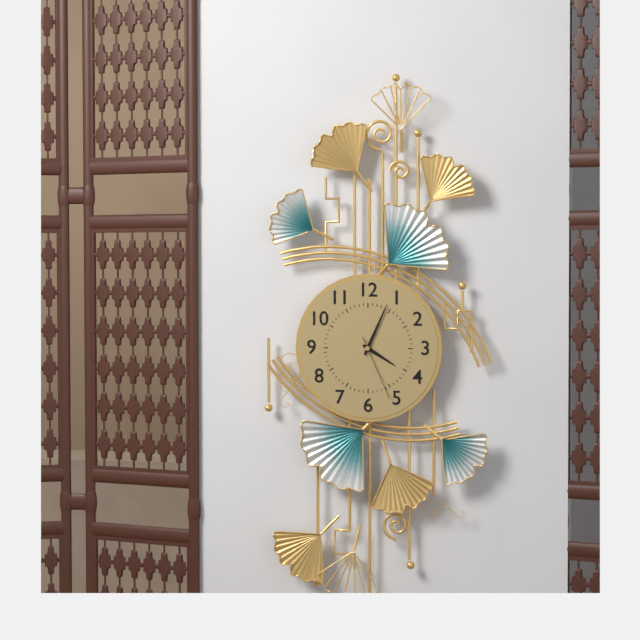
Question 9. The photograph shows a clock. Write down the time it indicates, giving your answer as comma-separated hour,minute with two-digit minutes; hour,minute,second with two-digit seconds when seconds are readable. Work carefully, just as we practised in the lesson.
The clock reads 4,04,26
